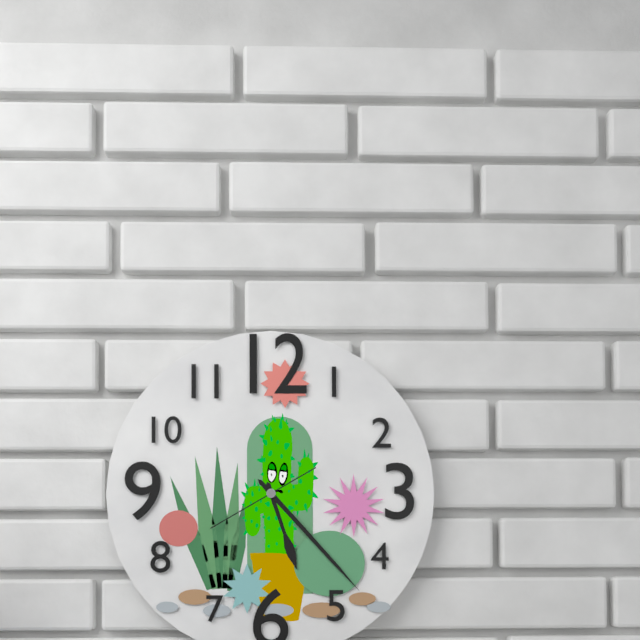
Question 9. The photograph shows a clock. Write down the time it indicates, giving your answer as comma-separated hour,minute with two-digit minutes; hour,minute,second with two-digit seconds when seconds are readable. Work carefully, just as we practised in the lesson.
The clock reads 5,23,40
